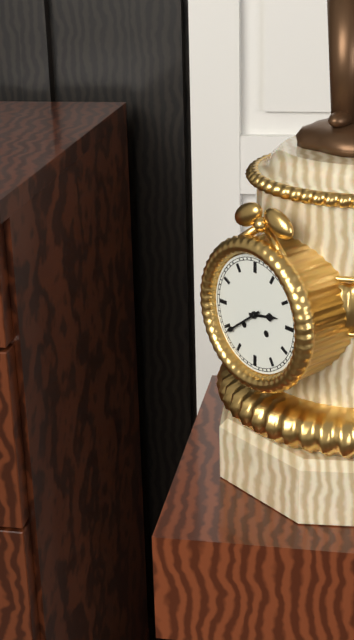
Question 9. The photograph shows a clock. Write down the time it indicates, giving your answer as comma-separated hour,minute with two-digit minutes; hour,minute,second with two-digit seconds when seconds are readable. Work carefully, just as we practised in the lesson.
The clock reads 2,39
